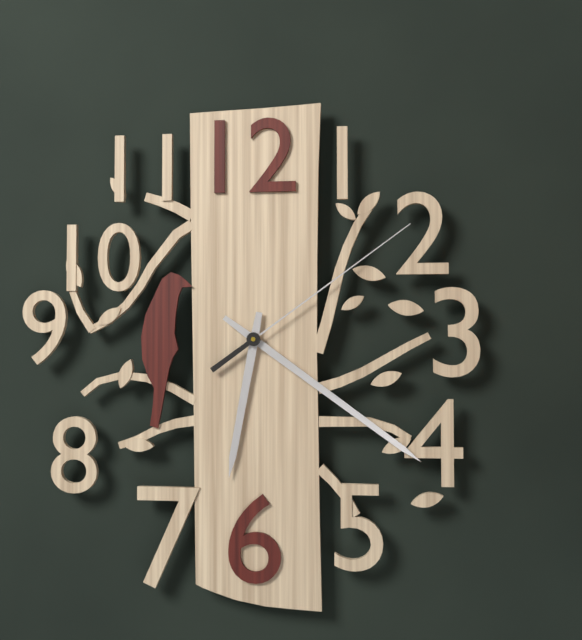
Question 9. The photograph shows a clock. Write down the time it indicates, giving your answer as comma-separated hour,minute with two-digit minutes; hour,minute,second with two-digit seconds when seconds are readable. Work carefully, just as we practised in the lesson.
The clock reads 6,21,09
